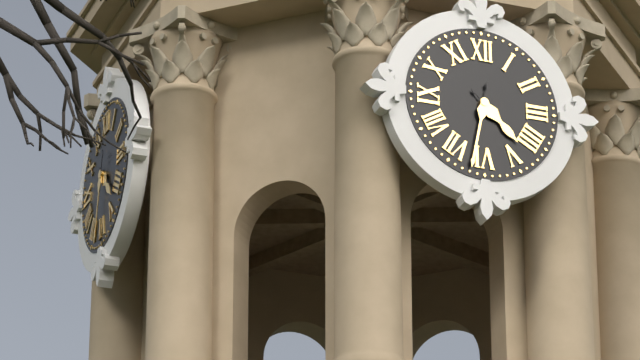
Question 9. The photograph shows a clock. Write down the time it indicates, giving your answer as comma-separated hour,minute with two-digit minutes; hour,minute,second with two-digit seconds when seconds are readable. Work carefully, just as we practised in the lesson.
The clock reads 4,32
